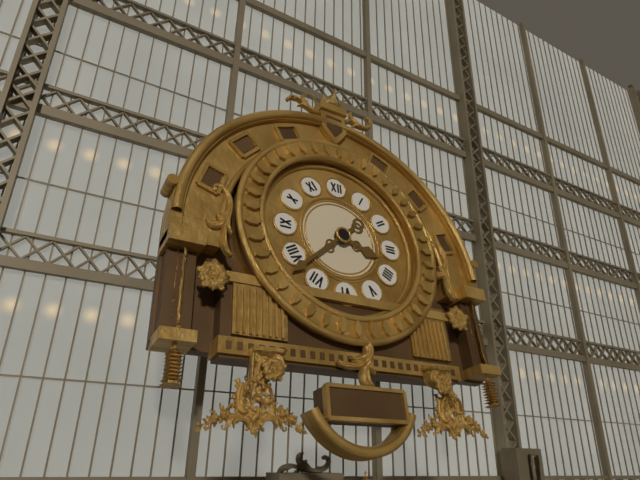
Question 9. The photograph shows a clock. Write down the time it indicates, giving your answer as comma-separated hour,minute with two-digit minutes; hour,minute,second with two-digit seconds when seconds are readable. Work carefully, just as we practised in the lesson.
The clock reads 3,38
